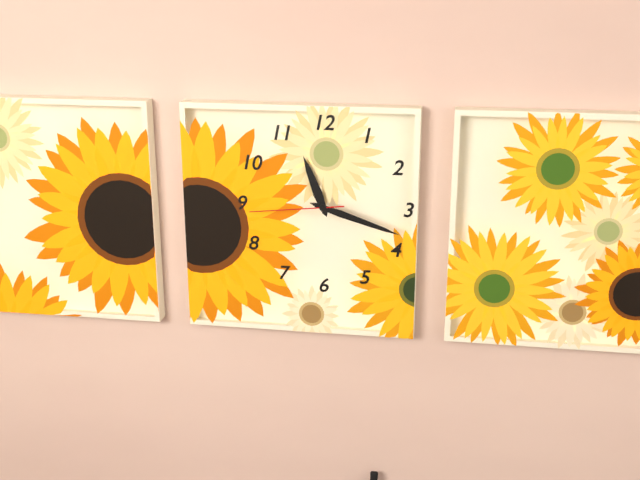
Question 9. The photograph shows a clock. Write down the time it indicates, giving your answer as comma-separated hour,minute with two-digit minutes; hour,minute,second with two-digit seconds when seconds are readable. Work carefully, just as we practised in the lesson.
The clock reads 11,18,44
